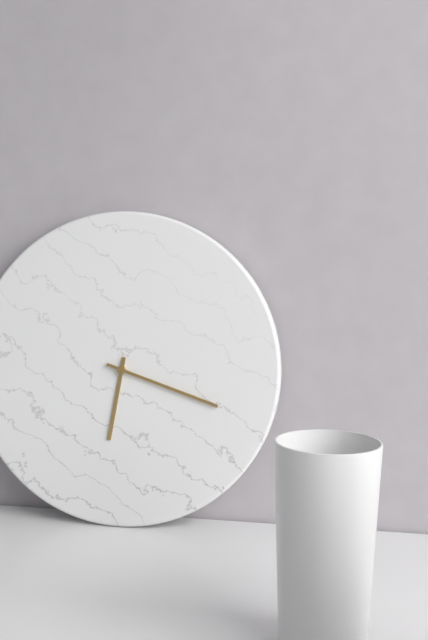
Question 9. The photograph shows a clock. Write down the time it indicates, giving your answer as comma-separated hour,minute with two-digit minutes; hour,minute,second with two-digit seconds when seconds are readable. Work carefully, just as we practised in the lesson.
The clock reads 6,18
